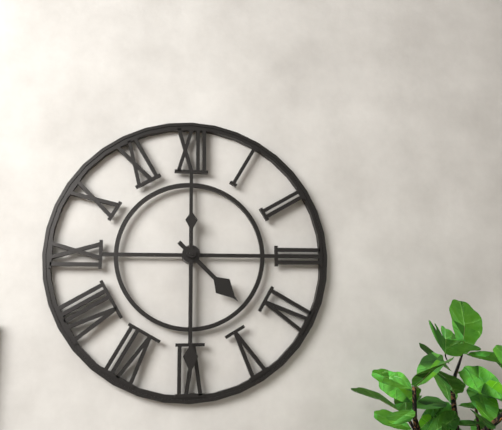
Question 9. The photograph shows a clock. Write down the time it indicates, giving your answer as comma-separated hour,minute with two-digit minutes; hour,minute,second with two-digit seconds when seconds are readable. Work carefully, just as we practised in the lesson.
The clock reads 4,30
